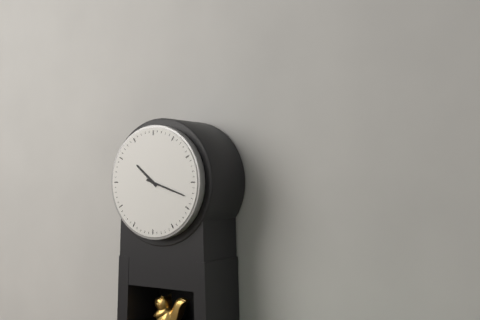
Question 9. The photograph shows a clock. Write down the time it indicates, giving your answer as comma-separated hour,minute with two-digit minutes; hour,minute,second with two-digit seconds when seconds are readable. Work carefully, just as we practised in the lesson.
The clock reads 10,18
